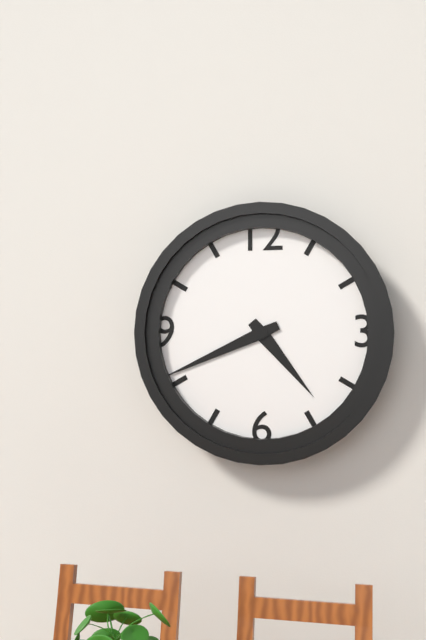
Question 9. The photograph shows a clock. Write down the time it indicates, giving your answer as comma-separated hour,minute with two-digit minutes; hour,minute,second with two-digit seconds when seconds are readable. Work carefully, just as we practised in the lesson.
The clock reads 4,41
